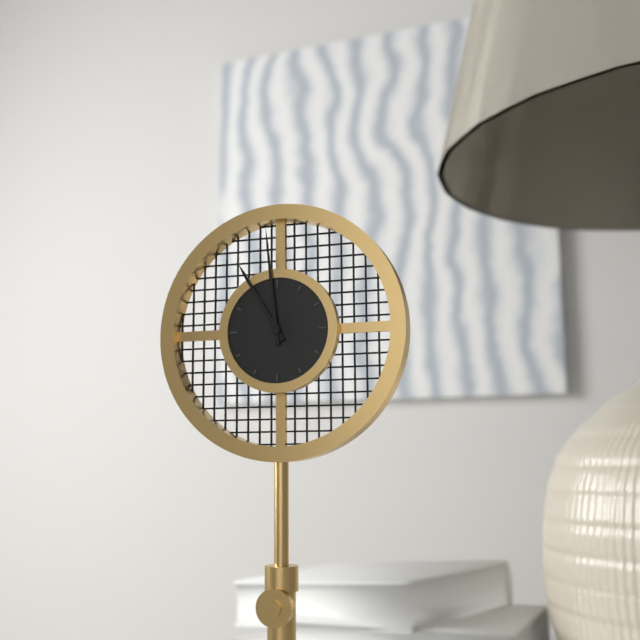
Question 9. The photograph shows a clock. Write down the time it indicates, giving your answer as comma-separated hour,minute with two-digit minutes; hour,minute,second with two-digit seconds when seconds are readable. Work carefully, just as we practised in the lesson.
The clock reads 10,59
